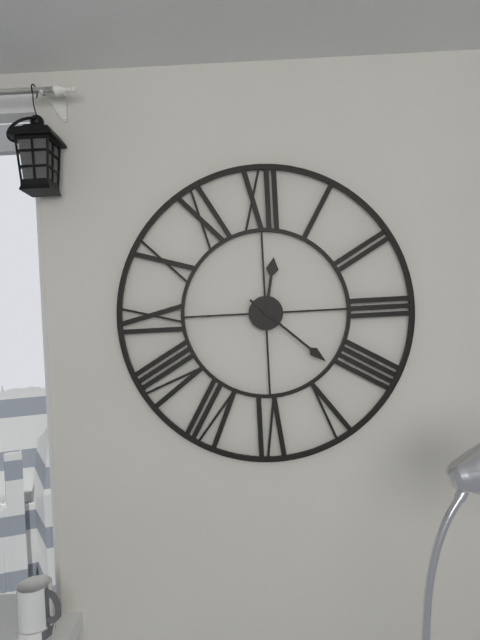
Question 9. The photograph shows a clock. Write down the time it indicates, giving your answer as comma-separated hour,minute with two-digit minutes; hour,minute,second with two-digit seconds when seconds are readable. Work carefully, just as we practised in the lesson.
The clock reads 12,22
